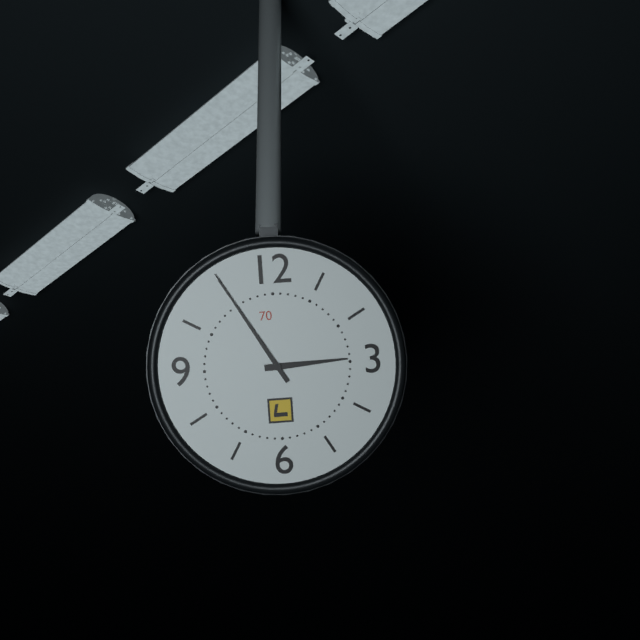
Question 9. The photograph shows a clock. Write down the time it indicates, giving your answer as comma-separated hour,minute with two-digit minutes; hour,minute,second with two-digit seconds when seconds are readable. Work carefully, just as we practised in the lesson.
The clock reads 2,55
